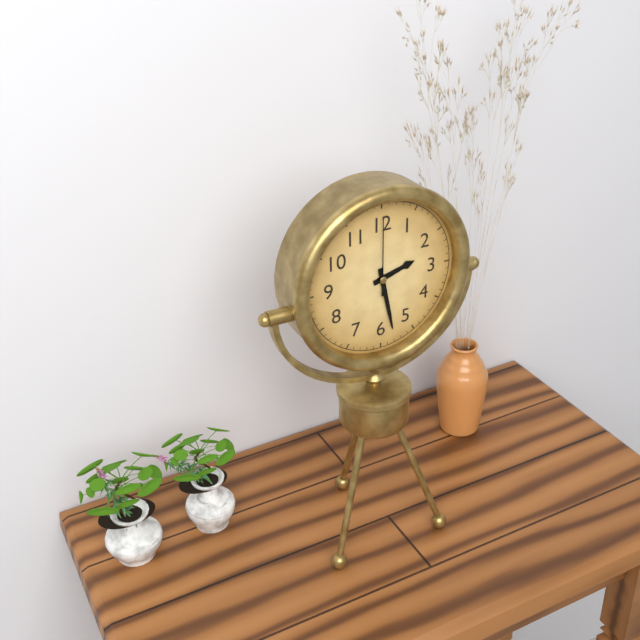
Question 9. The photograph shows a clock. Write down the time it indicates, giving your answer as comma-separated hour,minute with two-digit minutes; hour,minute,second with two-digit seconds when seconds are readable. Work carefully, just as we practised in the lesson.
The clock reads 2,28,00
